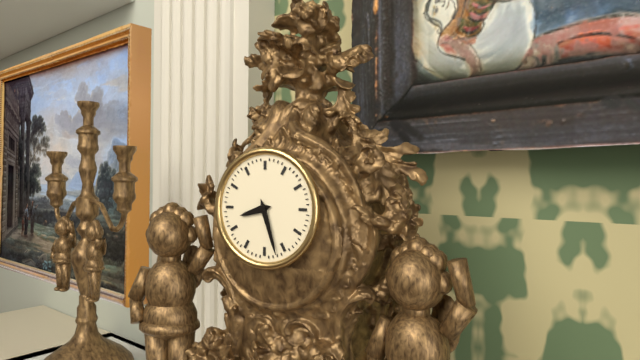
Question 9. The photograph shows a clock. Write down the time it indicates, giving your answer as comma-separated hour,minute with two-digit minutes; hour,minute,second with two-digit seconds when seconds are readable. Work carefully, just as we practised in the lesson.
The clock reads 8,27
